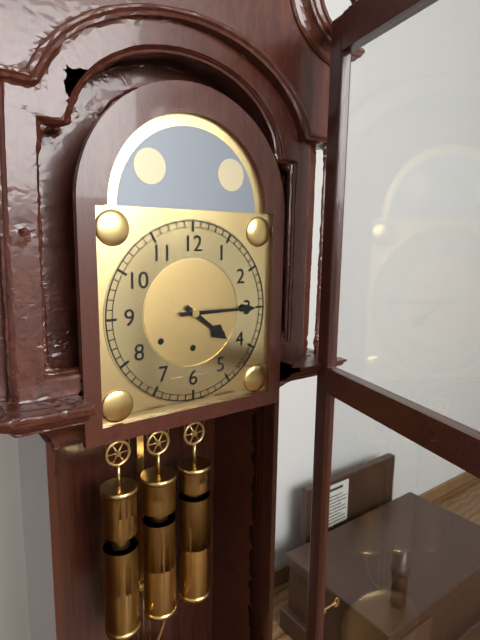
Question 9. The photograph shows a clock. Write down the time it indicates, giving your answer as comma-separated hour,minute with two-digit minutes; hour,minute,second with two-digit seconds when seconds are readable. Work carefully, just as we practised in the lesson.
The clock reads 4,15
